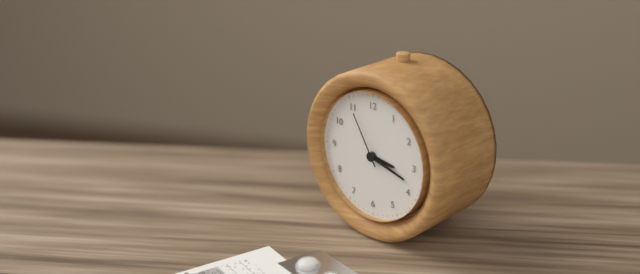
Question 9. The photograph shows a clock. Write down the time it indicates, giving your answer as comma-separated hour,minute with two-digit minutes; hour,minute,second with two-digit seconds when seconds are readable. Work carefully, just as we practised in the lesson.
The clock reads 3,18,55
